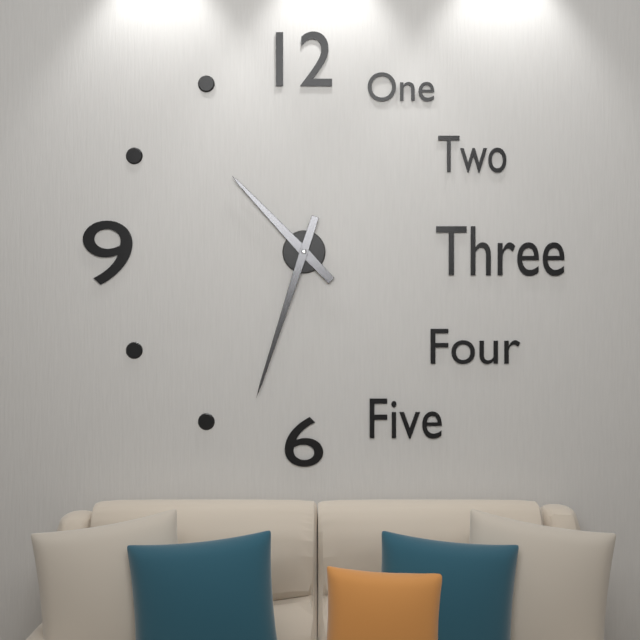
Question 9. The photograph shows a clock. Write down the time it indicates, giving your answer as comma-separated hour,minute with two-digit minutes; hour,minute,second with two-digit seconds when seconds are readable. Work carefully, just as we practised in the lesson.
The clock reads 10,33
